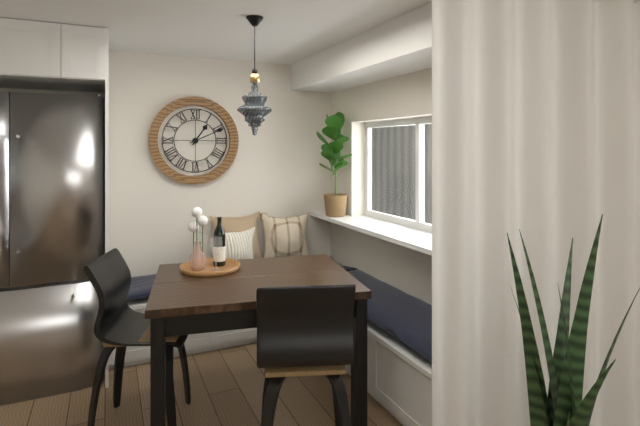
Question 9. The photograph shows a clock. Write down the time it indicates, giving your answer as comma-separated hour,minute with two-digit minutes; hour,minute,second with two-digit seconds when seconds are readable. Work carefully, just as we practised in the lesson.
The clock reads 1,11
